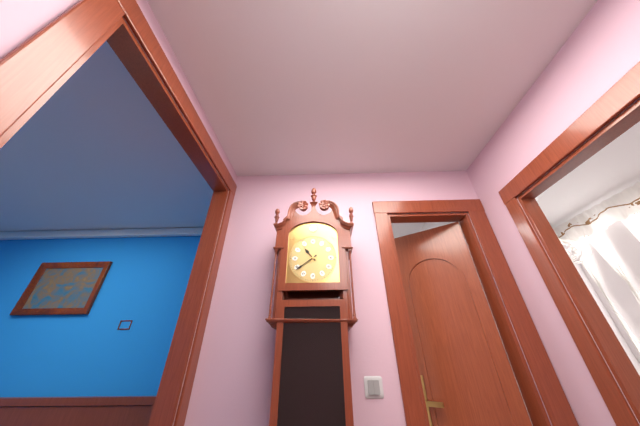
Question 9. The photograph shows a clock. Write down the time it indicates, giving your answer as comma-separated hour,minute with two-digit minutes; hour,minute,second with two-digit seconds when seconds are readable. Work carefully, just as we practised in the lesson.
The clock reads 10,39
